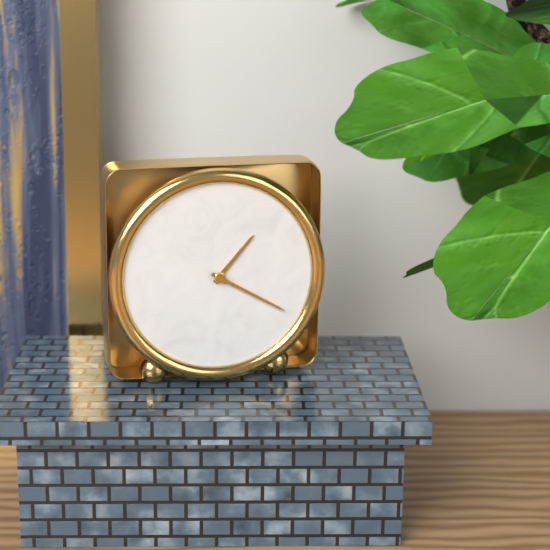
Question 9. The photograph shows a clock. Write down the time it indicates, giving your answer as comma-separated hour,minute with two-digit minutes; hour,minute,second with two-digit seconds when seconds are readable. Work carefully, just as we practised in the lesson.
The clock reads 1,20
